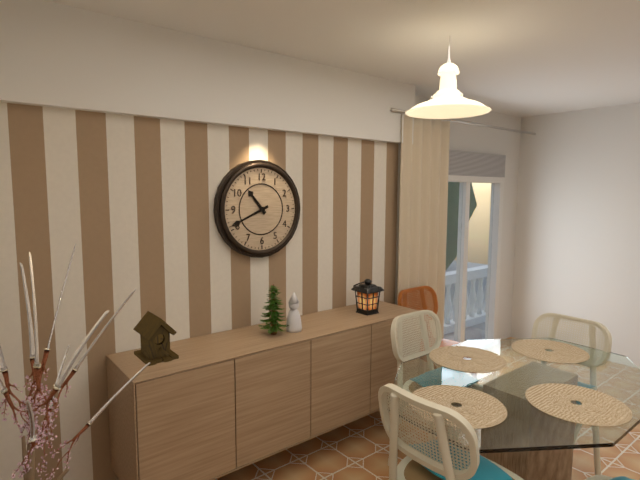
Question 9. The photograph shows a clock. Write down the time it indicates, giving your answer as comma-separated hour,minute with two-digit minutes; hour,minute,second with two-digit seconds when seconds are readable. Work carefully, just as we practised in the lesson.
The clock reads 10,41
